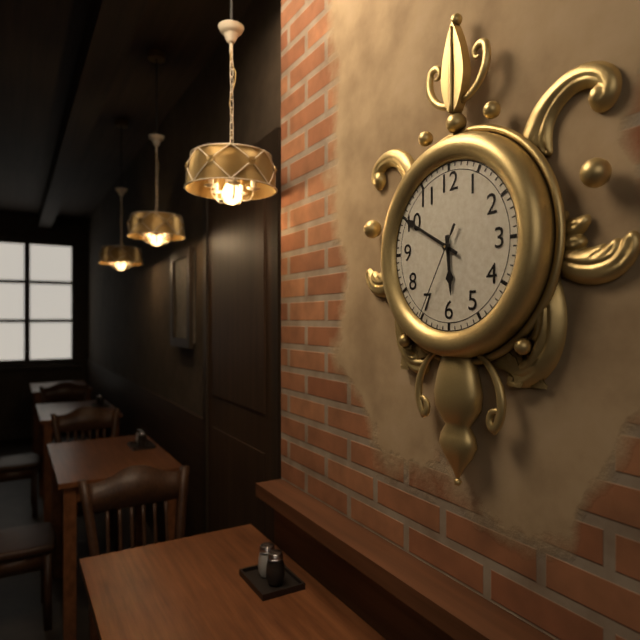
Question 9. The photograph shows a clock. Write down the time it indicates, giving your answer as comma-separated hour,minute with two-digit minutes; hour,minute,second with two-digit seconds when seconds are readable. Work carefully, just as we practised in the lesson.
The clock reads 5,50,35
